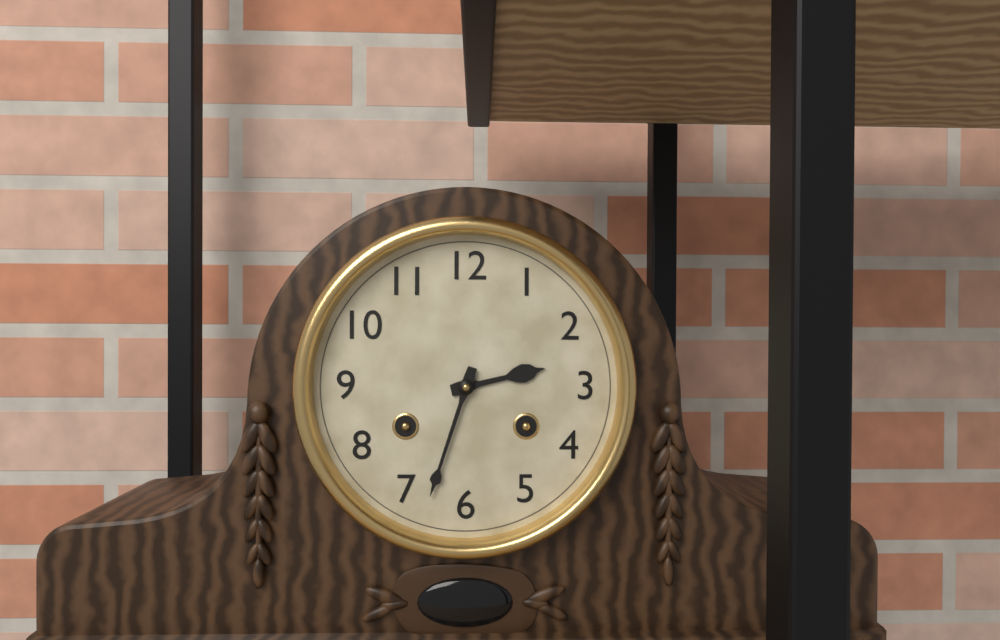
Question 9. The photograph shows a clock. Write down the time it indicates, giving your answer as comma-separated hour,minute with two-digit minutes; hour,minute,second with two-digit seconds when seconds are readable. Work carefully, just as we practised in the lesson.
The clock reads 2,33
